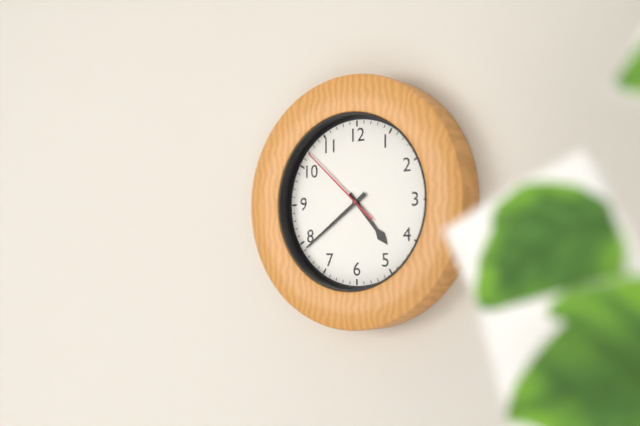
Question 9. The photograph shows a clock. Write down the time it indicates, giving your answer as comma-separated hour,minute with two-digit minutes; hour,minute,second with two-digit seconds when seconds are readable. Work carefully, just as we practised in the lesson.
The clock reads 4,39,52
